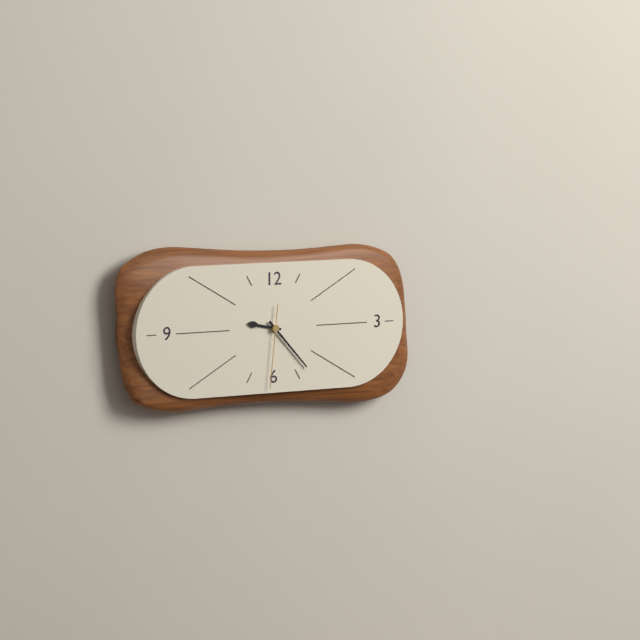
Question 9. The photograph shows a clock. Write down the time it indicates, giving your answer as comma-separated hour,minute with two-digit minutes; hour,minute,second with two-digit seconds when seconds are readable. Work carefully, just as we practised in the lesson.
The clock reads 9,23,31
